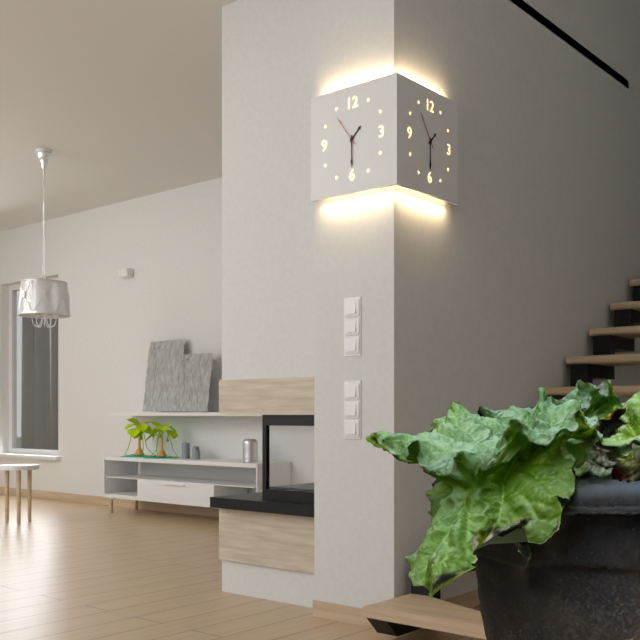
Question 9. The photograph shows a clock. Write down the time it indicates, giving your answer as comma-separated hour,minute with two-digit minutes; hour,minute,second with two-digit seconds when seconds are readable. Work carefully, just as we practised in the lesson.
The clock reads 1,30
